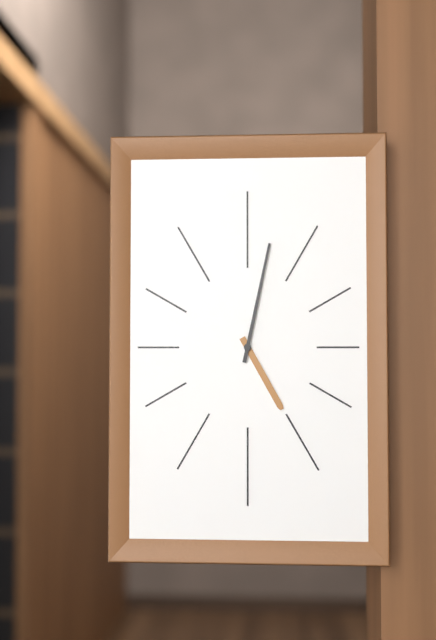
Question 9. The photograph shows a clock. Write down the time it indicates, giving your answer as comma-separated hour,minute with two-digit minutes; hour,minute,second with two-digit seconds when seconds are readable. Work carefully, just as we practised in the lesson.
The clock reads 5,02
